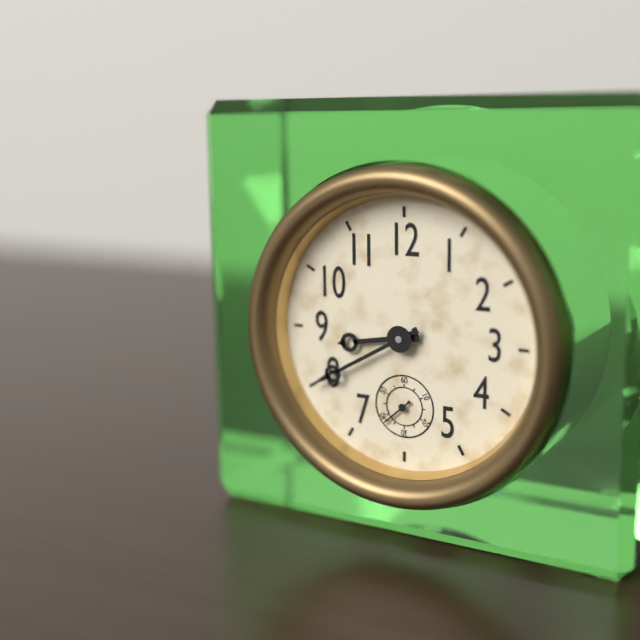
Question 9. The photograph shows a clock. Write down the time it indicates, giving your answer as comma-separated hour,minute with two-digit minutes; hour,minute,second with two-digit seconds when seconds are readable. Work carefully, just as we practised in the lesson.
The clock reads 8,40
